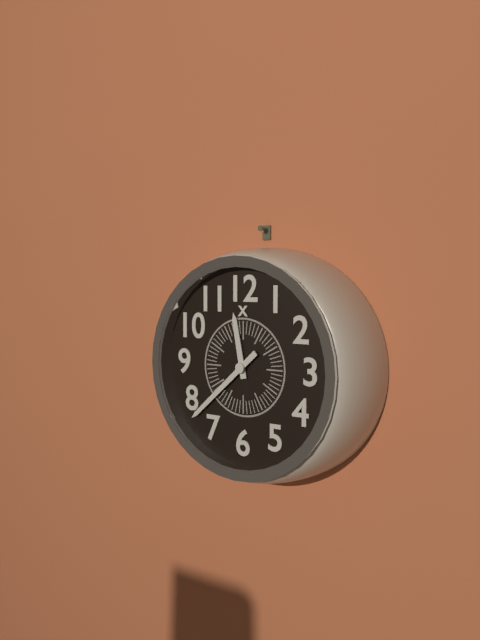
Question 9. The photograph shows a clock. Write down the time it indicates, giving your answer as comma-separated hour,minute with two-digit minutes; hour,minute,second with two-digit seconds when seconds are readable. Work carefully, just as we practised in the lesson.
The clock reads 11,38
